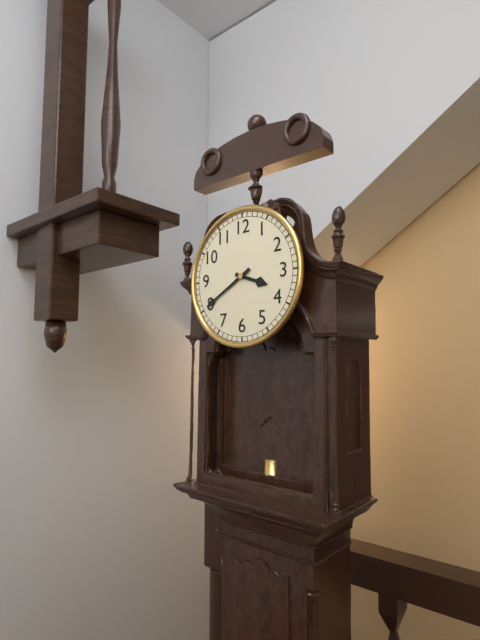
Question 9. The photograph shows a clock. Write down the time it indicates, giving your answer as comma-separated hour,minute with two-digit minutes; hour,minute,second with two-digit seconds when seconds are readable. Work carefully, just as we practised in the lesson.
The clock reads 3,40
